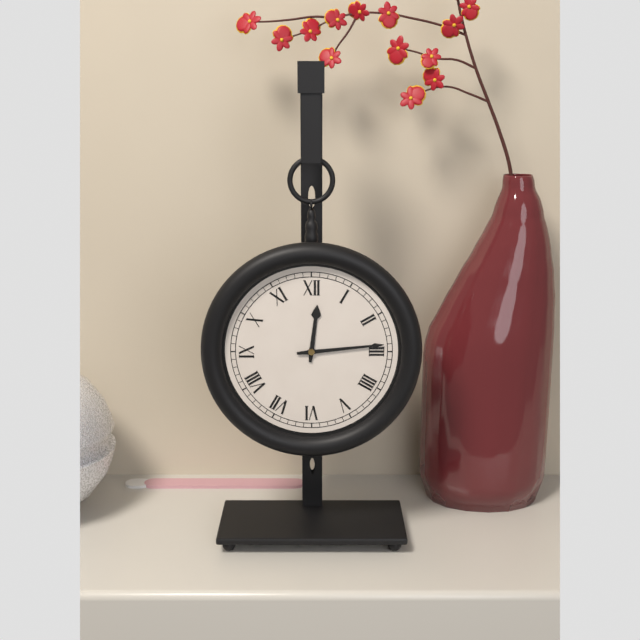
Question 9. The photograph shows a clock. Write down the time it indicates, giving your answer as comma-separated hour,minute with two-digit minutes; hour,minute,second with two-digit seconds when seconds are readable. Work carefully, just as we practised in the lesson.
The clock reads 12,14
